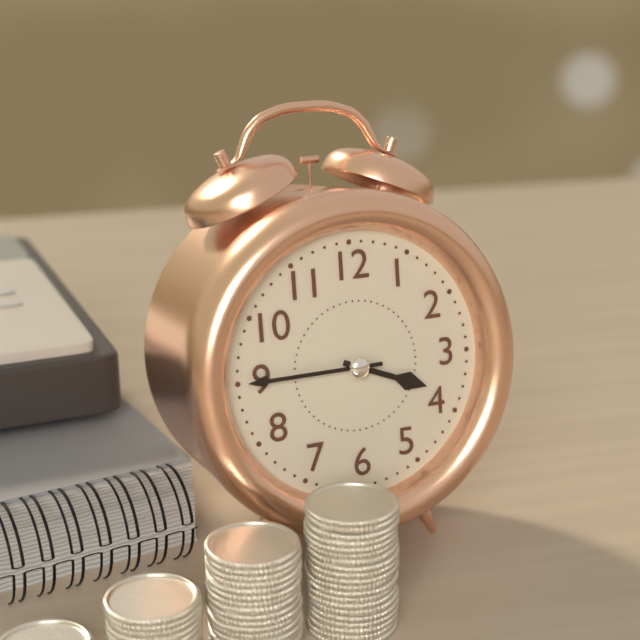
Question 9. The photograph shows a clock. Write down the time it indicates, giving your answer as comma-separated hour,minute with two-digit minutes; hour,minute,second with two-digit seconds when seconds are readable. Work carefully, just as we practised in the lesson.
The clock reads 3,45
